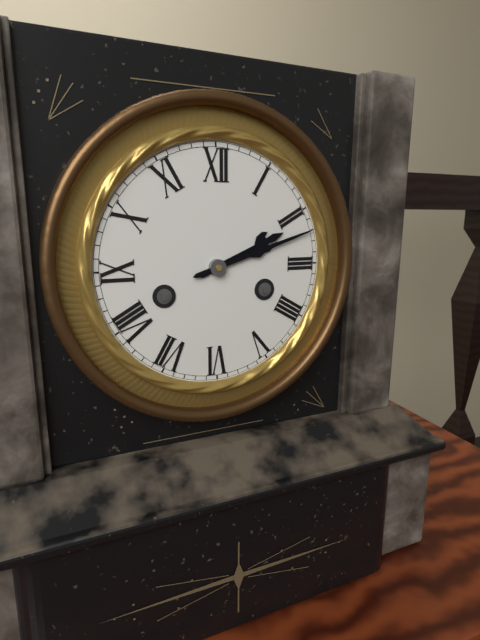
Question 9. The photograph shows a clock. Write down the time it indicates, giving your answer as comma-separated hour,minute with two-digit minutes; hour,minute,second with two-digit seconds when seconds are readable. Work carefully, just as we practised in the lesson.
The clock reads 2,12
